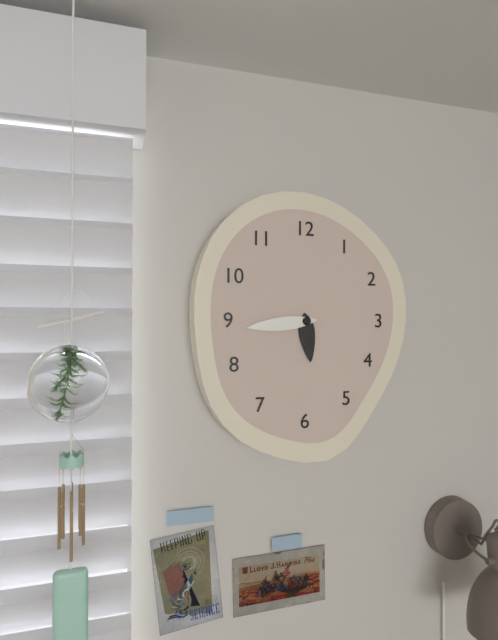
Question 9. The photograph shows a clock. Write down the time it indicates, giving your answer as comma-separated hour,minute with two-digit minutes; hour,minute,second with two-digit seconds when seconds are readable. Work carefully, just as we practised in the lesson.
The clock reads 5,44
